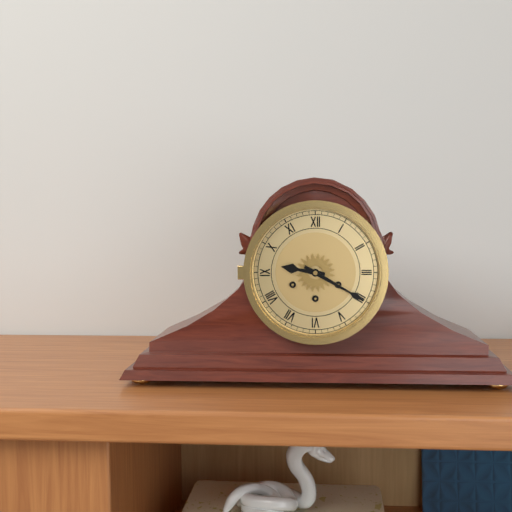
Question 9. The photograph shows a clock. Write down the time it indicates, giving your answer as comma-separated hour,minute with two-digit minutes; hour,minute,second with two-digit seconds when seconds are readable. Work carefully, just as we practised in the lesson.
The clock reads 9,20
